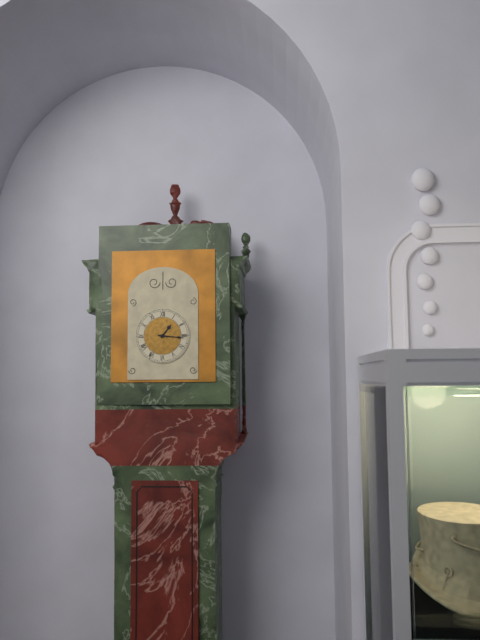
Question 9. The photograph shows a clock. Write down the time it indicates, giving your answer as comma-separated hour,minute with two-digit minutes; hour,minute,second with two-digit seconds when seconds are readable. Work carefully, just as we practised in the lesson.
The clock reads 1,16
